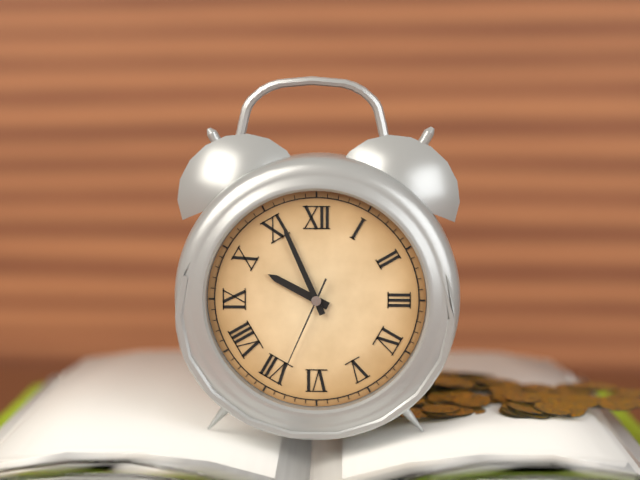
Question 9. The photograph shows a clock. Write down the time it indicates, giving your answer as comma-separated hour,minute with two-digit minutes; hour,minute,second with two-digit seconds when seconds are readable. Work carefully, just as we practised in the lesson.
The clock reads 9,56,34
